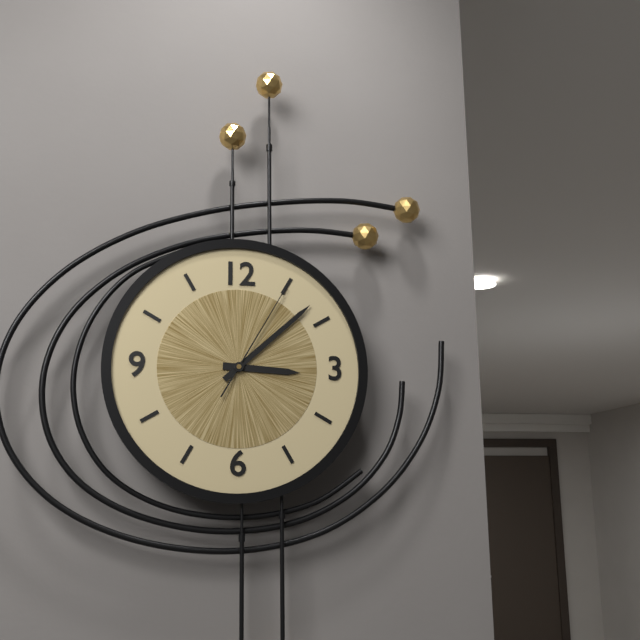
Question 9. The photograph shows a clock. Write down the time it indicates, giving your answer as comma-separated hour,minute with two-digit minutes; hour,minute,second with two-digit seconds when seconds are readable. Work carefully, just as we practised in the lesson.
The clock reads 3,08,05
